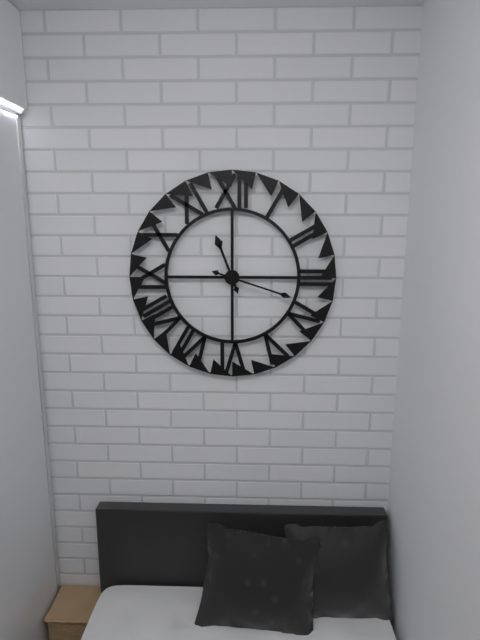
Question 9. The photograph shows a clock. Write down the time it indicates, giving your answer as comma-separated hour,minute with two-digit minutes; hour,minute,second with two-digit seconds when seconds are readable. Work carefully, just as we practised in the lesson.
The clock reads 11,18
